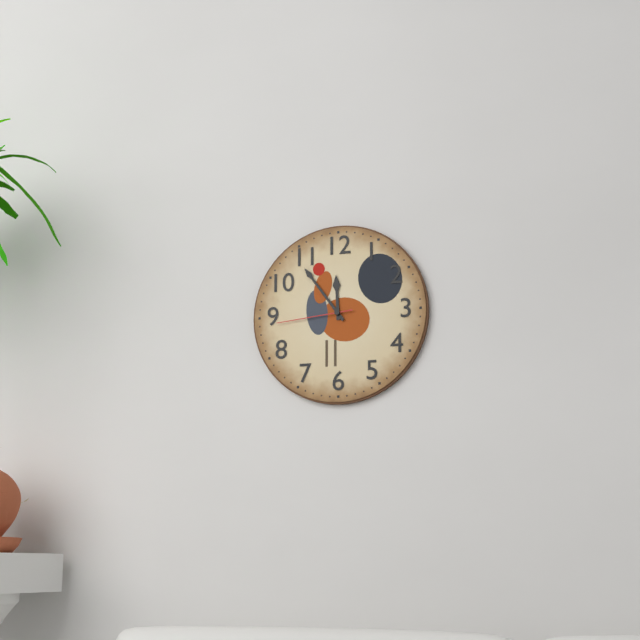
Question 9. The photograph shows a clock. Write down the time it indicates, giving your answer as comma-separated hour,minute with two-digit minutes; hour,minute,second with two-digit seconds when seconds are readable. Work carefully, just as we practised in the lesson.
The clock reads 11,54,44
